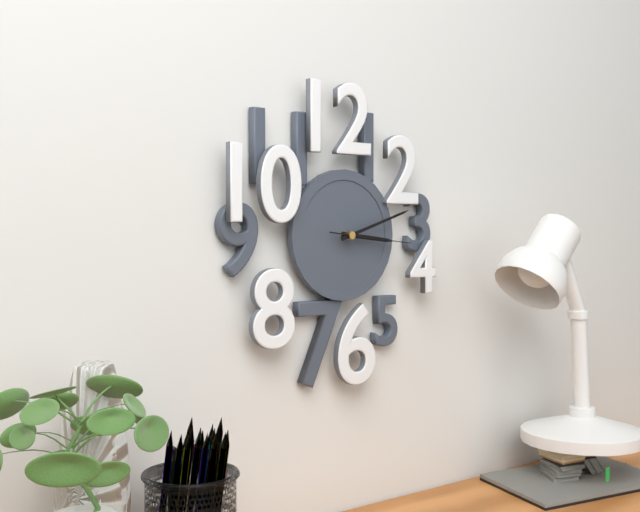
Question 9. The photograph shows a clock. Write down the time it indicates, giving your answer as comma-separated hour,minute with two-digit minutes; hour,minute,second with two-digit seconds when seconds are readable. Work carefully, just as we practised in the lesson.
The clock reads 3,12,16
